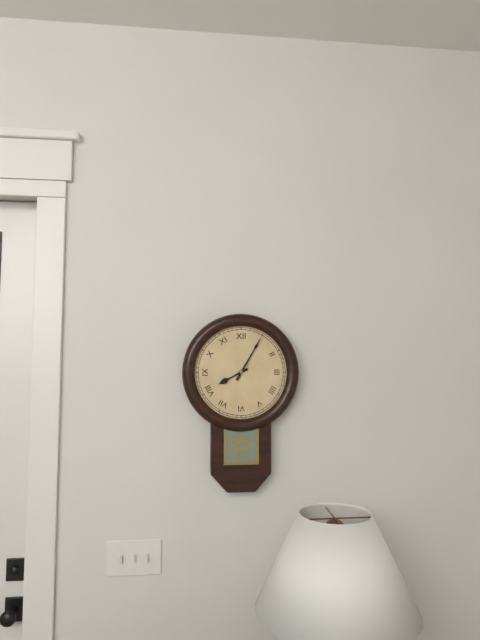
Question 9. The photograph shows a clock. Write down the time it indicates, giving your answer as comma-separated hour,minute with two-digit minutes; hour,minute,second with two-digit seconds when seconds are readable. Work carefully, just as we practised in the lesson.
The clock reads 8,05
